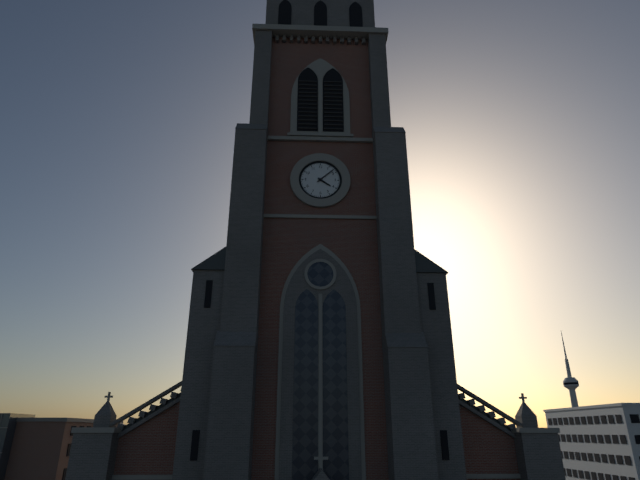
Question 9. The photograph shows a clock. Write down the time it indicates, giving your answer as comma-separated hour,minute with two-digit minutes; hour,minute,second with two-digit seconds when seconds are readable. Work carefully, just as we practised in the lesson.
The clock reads 4,08
